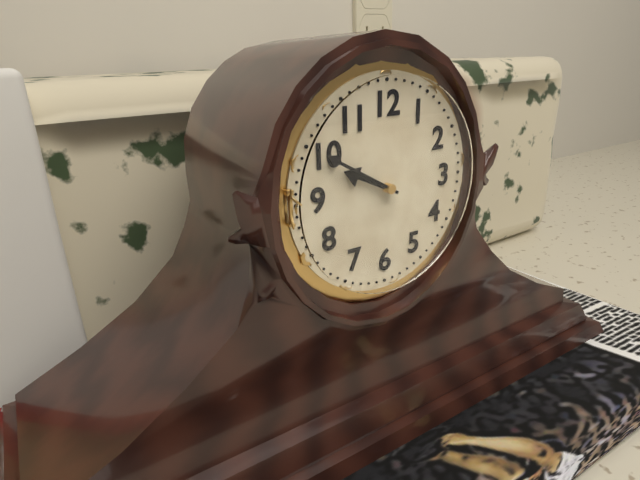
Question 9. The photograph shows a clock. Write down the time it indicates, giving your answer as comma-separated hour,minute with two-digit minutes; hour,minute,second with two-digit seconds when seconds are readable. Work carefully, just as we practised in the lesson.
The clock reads 9,50
